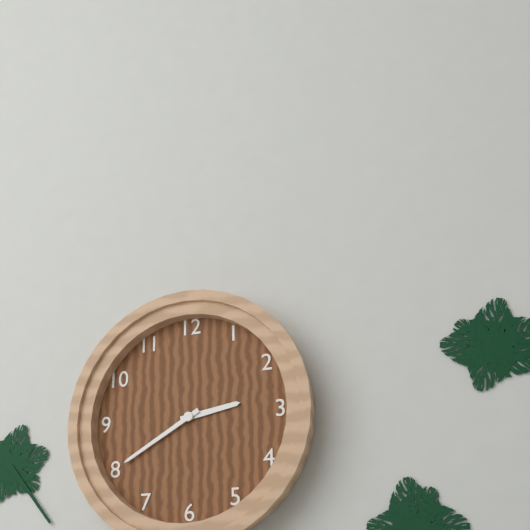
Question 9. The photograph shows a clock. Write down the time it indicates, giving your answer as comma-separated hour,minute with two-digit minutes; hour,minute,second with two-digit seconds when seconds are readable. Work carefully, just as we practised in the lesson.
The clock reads 2,40
